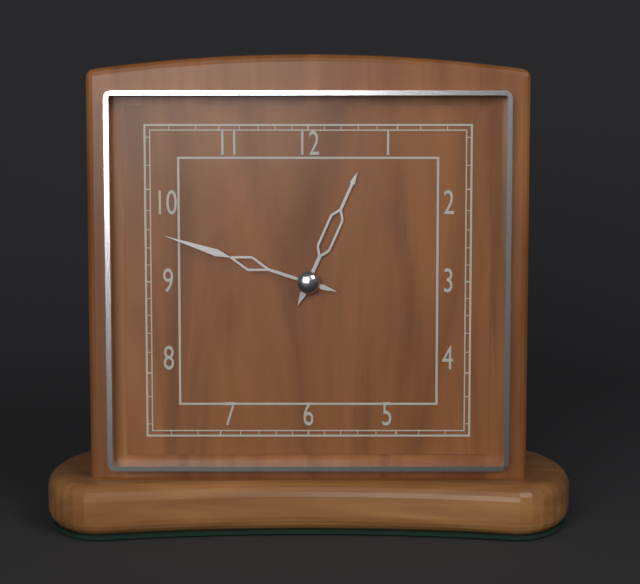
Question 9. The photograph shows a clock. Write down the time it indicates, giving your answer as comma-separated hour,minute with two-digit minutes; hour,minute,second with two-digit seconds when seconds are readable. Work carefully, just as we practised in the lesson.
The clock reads 12,48
